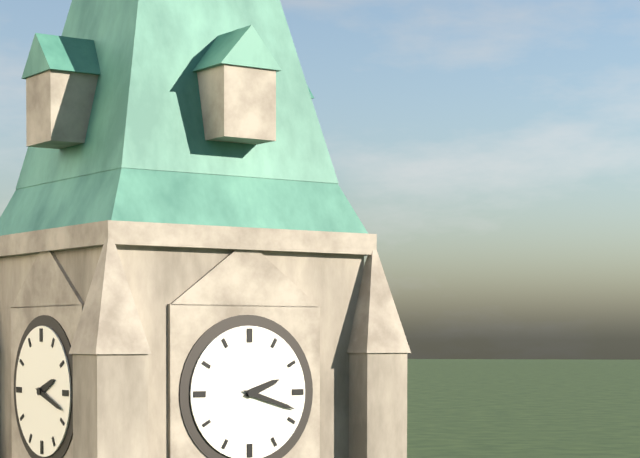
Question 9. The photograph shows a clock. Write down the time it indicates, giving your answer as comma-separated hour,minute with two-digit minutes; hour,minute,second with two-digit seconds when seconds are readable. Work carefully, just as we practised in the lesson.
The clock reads 2,18
